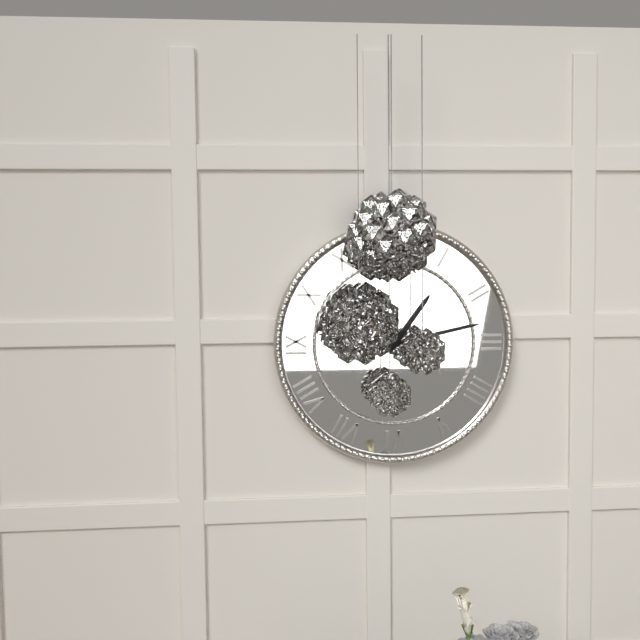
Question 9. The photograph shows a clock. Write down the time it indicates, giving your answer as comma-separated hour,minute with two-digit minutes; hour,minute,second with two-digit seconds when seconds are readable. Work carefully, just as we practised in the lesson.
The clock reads 1,13
